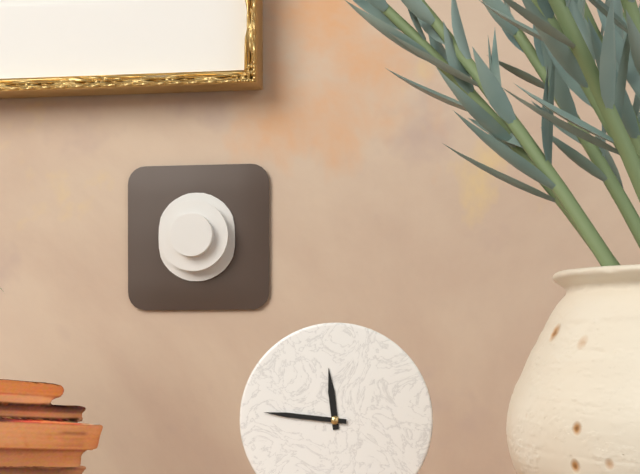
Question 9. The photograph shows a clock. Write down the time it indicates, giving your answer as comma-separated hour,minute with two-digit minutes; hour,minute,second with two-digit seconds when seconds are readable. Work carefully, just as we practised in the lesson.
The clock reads 11,46
